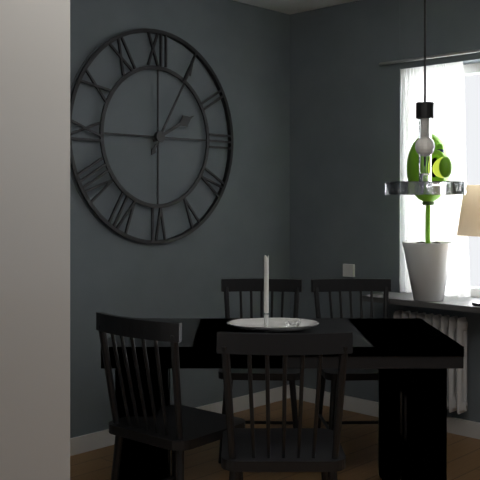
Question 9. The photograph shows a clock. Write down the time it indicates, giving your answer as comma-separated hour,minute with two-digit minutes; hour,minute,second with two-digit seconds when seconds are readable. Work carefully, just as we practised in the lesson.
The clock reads 2,05
